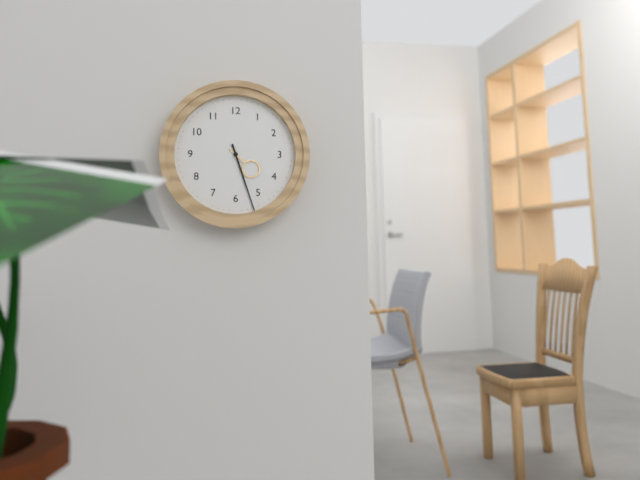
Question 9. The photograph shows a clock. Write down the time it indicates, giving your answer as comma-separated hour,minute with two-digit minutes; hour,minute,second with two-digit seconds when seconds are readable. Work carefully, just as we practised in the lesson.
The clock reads 4,27
